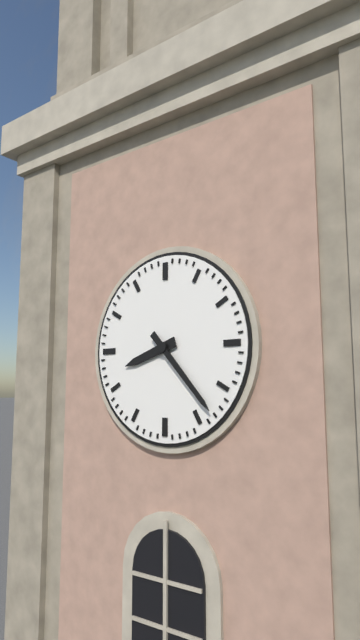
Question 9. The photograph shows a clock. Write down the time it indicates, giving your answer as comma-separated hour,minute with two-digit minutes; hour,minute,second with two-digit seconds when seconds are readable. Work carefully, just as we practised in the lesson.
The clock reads 8,23
